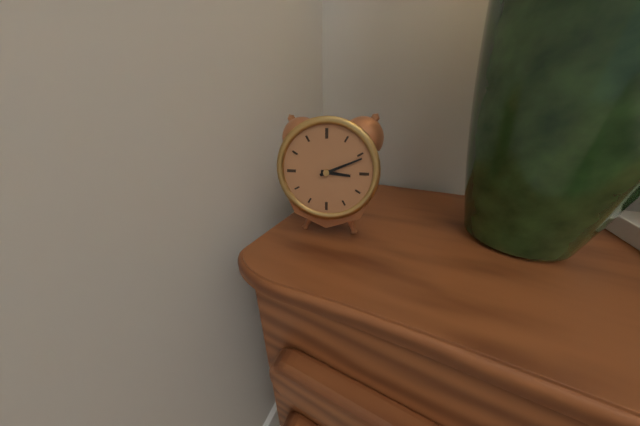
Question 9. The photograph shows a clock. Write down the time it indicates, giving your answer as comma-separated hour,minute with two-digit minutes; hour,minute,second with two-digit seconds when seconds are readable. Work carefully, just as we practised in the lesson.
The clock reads 3,11
